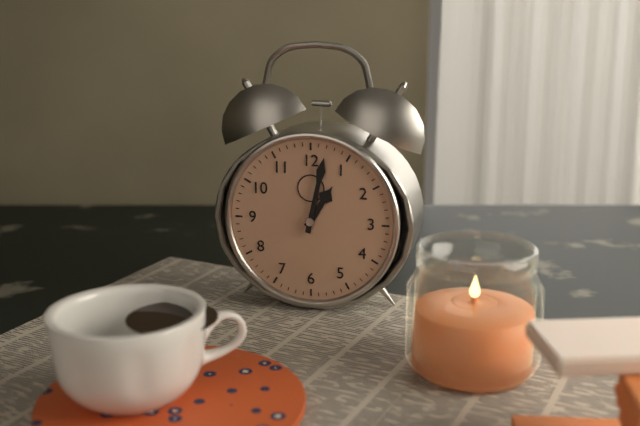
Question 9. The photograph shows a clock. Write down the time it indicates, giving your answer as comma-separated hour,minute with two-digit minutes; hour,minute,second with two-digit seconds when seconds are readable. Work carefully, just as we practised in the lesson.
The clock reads 1,02
